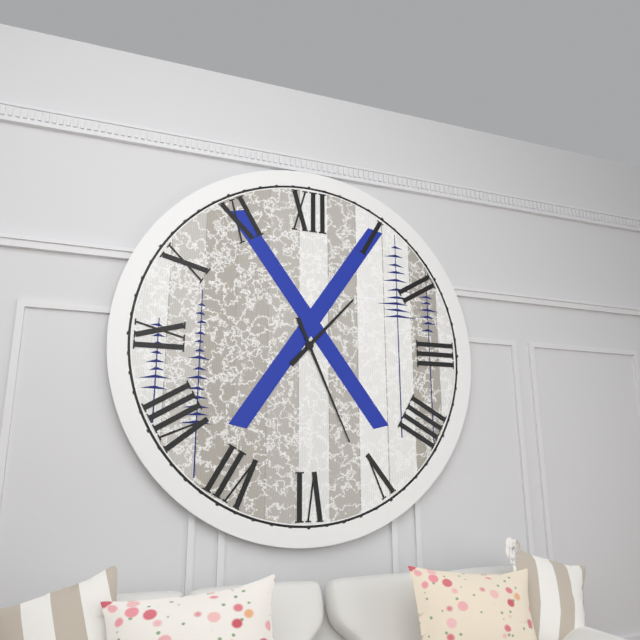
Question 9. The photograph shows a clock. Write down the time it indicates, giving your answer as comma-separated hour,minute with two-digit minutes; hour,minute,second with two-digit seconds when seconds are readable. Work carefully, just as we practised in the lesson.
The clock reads 1,26
